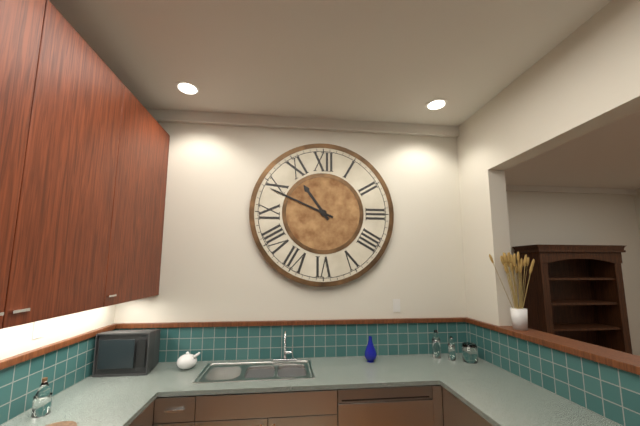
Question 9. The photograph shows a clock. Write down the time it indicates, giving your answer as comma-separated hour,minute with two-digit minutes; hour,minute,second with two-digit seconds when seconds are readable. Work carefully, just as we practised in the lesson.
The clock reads 10,49
